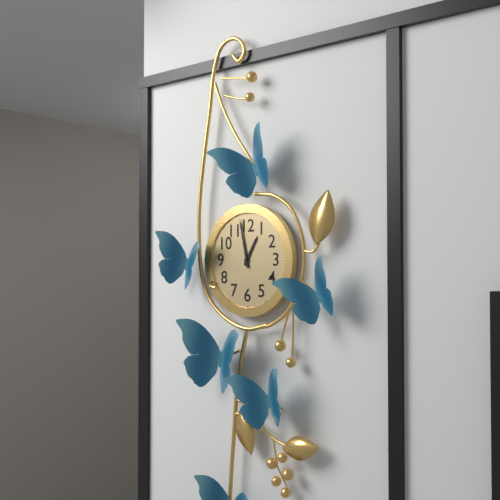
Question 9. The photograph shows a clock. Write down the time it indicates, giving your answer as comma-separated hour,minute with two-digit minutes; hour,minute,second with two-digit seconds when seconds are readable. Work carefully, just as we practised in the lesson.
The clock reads 12,58
